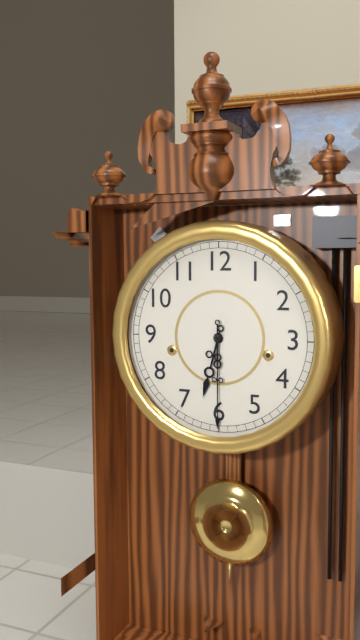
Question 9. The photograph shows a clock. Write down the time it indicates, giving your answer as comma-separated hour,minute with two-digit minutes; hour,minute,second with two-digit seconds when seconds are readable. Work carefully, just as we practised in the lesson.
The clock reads 6,30
